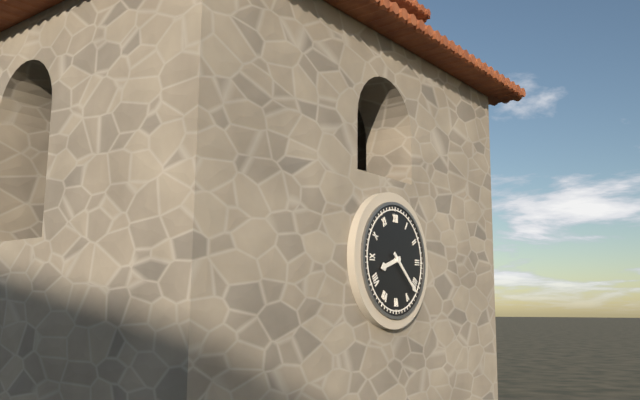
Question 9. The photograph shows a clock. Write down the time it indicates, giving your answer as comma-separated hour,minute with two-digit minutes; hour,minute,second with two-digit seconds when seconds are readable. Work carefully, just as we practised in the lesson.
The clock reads 8,22
